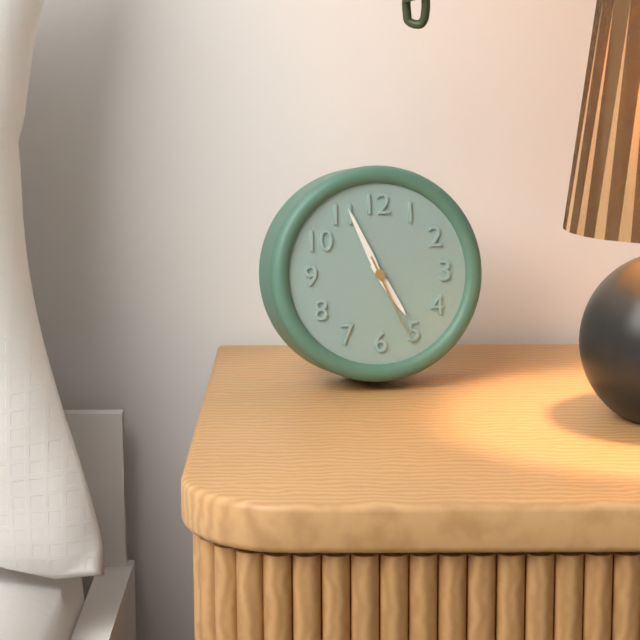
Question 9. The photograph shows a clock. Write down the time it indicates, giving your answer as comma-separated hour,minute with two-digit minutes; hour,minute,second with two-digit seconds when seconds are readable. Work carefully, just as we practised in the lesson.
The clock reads 4,56,26
